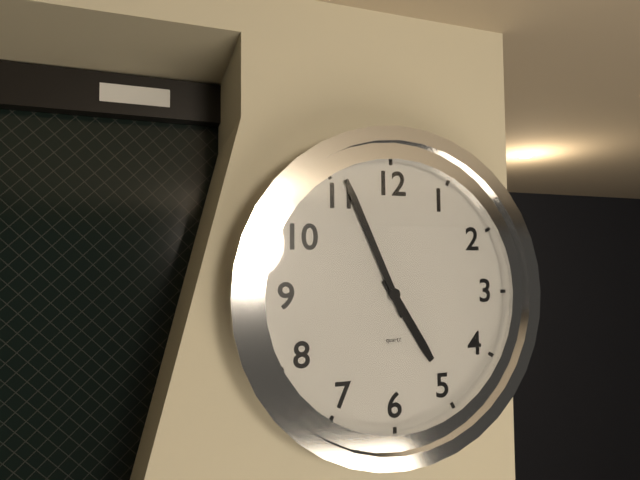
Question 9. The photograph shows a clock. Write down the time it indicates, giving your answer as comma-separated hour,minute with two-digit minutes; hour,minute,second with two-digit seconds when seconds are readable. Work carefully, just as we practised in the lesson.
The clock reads 4,56
